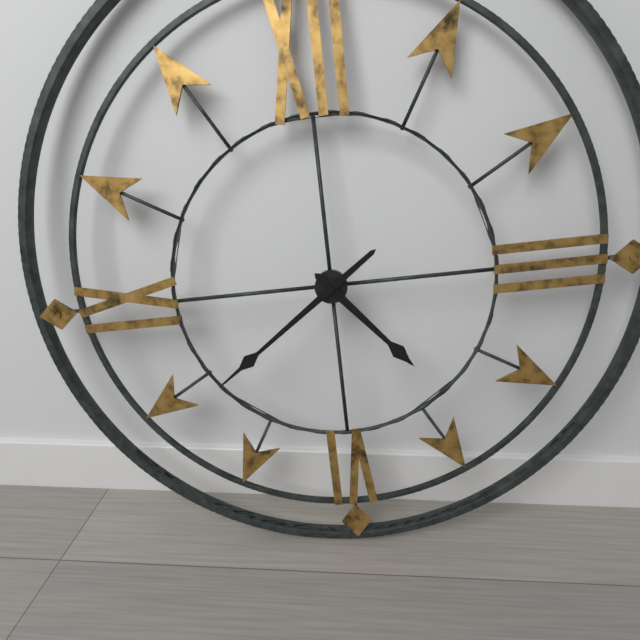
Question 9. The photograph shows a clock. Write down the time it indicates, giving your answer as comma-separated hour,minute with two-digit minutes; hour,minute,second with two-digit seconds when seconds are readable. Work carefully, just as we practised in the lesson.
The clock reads 4,39
